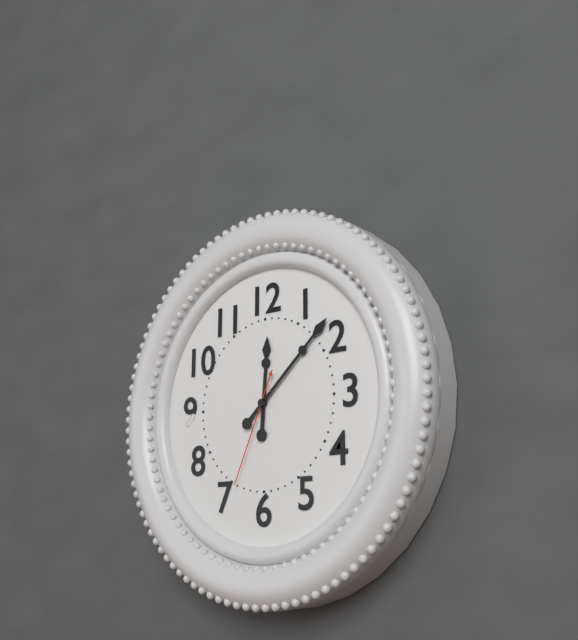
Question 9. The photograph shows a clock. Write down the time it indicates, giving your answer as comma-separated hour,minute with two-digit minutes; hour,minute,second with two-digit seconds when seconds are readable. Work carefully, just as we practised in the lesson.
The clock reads 12,08,34
